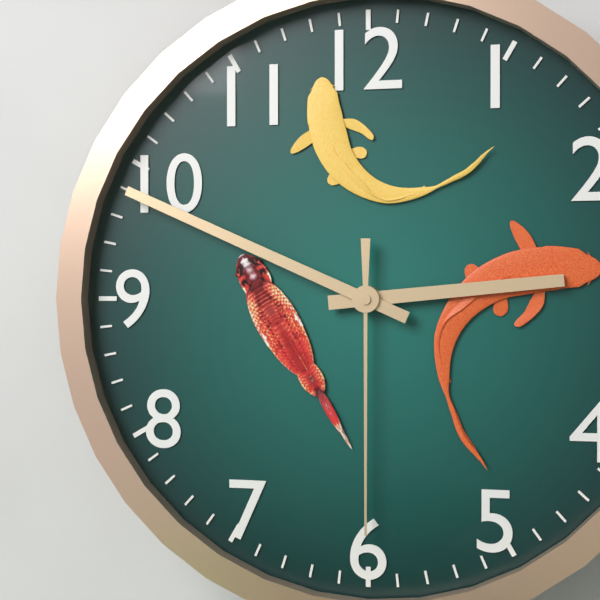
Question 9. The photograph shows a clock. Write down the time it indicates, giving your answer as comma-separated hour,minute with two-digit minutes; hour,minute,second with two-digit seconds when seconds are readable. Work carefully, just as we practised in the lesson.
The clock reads 2,49,30
